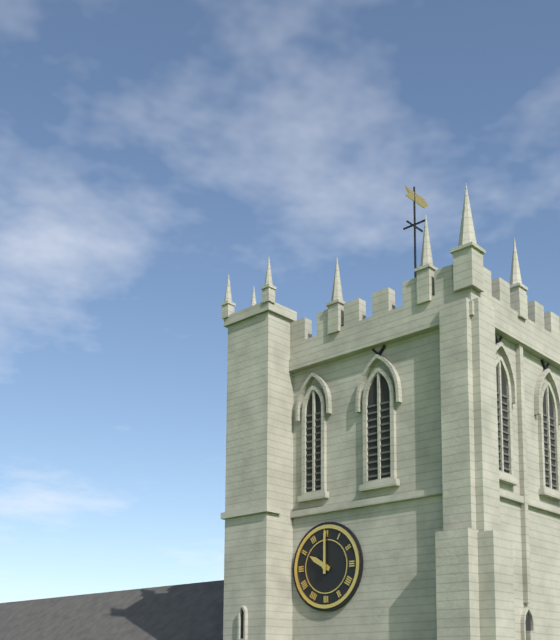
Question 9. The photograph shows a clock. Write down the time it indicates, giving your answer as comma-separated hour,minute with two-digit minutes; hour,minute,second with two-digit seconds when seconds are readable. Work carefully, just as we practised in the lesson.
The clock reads 10,00
